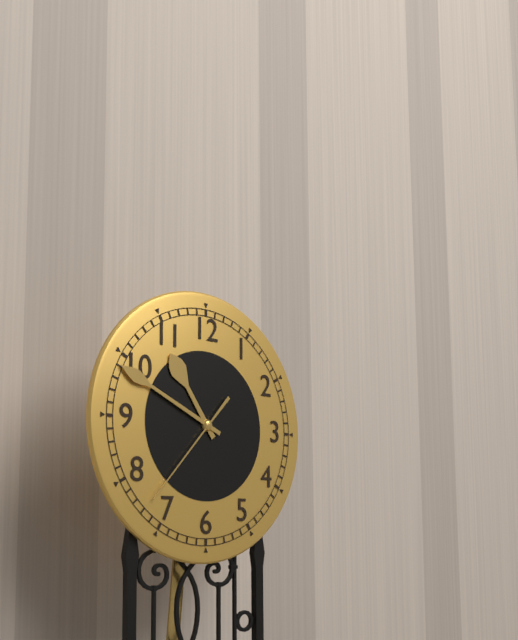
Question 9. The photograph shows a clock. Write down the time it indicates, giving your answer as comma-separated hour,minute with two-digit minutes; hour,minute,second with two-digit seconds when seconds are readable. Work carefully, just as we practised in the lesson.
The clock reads 10,49,37
